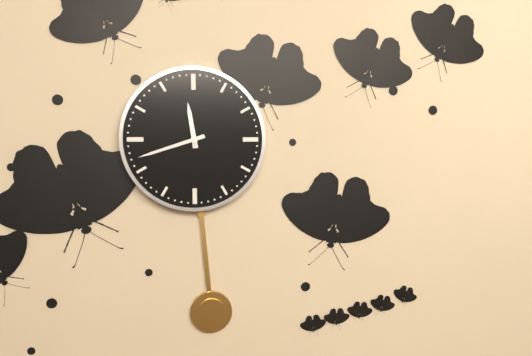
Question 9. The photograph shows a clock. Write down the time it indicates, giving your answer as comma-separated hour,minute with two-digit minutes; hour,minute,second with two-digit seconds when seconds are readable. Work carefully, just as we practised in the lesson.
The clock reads 11,42
